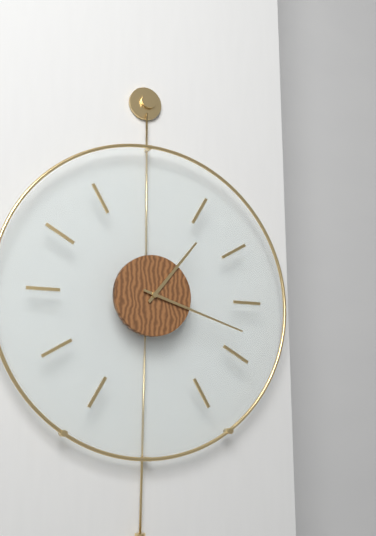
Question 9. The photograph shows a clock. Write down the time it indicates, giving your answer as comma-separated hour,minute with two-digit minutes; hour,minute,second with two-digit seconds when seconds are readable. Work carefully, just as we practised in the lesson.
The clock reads 1,18
